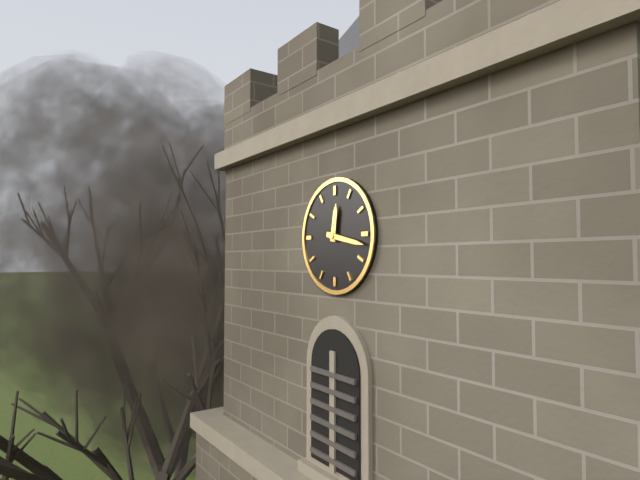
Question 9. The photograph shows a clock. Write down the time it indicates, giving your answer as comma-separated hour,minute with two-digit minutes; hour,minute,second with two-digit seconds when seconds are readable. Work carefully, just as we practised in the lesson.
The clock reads 12,17
